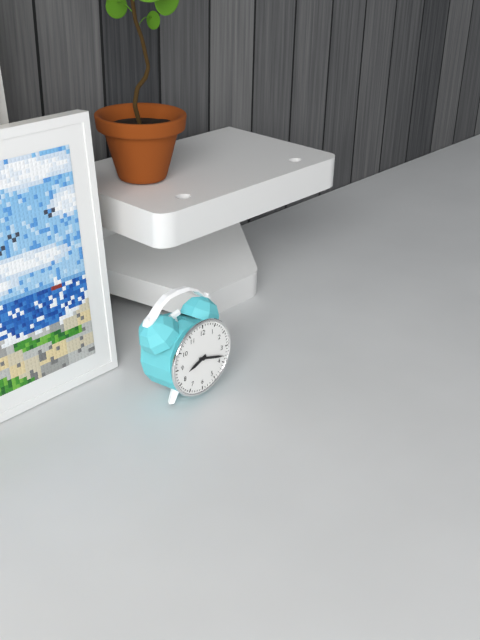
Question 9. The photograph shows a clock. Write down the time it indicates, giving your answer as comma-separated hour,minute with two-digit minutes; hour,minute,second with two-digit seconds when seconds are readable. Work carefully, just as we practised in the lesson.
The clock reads 8,18
